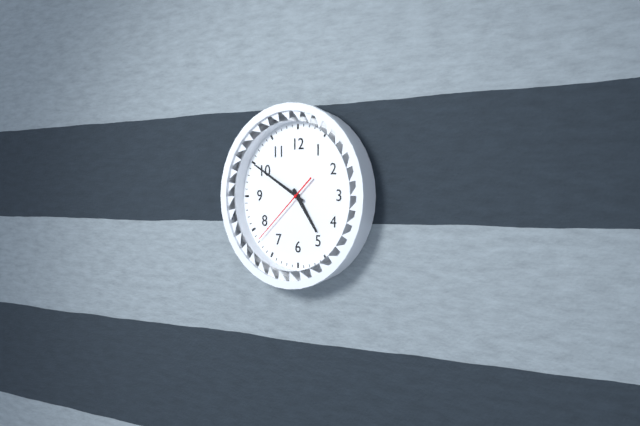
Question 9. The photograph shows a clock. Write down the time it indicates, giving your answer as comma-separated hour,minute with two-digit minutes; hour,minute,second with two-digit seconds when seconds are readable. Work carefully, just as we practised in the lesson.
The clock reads 4,50,38
